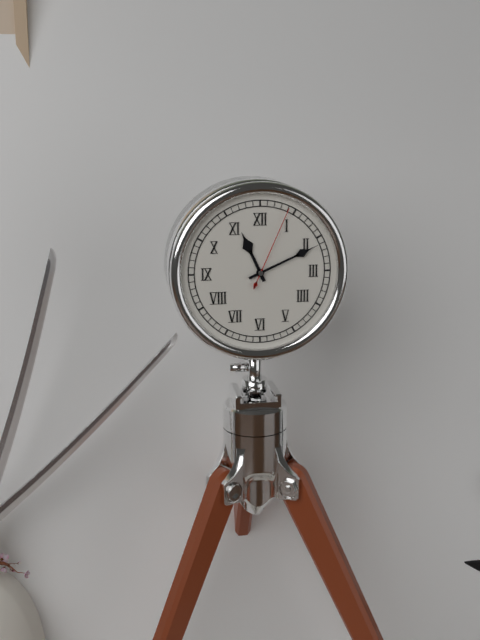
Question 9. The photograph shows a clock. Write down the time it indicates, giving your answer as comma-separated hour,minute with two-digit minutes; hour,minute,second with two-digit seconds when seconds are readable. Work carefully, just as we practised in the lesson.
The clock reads 11,11,04
